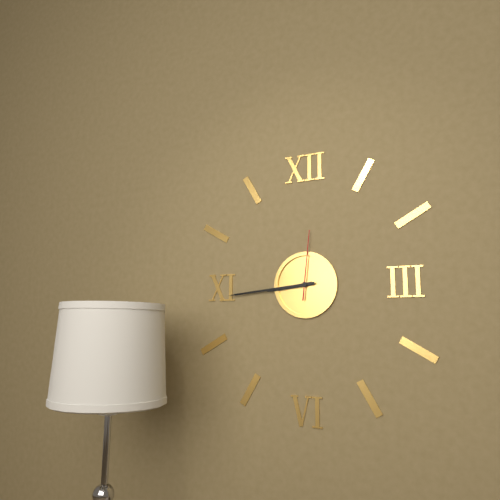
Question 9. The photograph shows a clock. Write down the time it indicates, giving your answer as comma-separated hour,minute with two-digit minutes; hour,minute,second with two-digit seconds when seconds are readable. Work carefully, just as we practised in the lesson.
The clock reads 8,44,01
